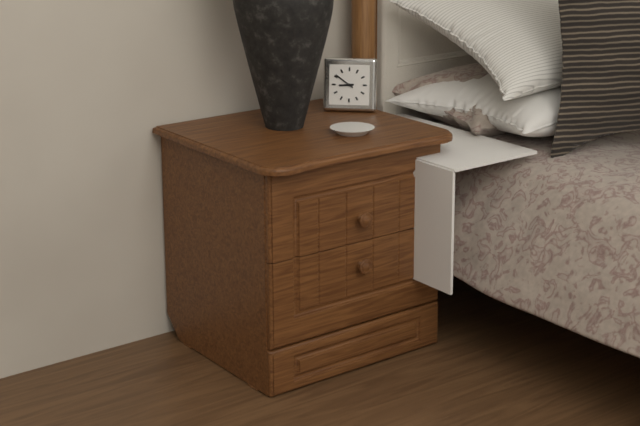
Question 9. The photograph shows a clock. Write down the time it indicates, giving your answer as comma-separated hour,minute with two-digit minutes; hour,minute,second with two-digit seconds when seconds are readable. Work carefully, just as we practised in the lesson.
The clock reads 8,51
